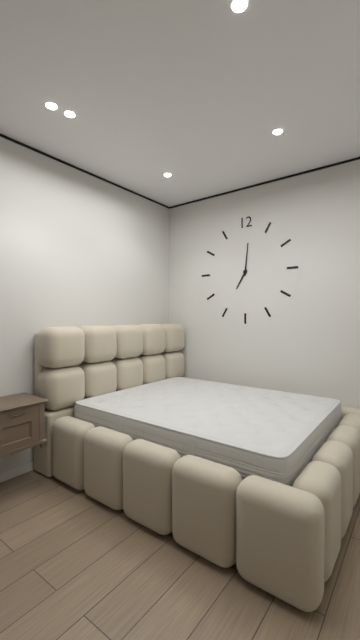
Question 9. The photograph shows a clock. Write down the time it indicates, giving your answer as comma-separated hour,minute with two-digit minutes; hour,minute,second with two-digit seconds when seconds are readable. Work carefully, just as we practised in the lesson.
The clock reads 7,01
